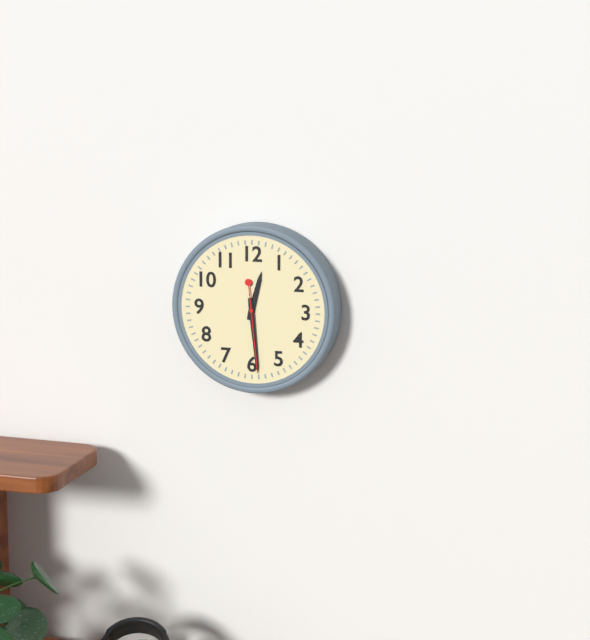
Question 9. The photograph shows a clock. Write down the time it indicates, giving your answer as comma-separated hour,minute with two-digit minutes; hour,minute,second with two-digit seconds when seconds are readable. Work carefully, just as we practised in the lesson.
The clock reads 12,29,29
